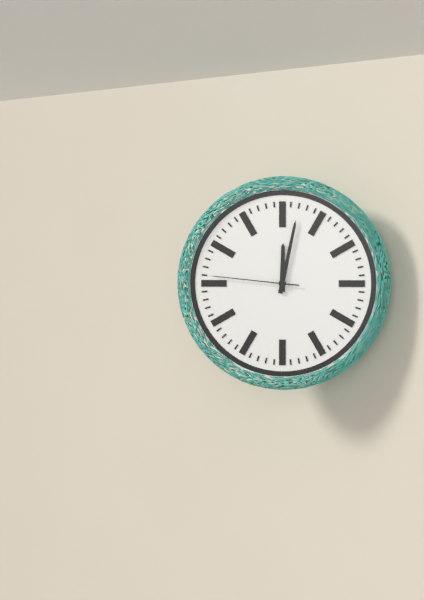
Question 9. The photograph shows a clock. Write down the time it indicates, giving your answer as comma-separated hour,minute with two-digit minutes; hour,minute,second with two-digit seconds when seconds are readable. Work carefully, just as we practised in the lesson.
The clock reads 12,02,46
